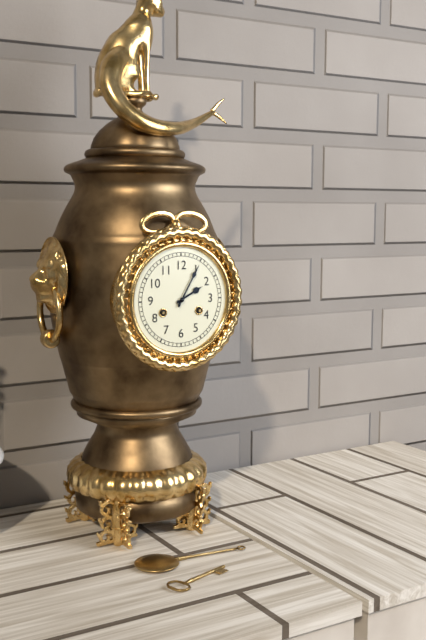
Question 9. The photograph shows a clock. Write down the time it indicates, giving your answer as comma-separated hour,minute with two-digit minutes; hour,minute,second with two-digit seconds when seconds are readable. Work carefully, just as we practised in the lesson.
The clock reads 2,05
